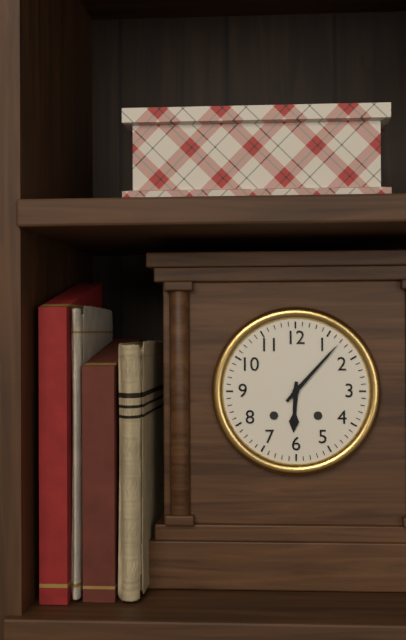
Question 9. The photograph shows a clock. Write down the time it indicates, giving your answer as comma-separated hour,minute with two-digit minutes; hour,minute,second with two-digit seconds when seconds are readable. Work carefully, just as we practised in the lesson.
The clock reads 6,07
